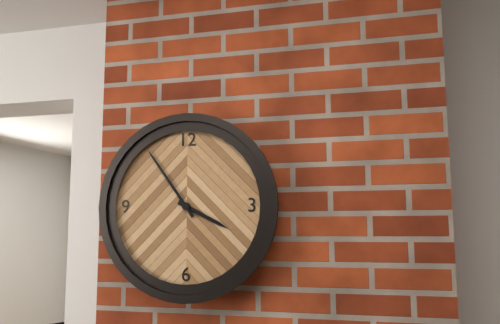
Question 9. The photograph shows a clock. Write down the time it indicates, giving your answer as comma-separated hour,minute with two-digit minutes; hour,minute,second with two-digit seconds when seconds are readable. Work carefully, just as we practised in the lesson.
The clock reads 3,54
